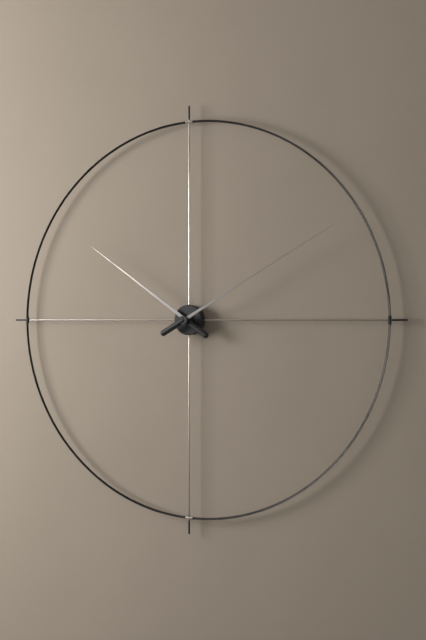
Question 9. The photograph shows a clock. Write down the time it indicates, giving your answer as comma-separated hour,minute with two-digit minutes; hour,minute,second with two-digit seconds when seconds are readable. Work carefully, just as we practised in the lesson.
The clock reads 10,10
